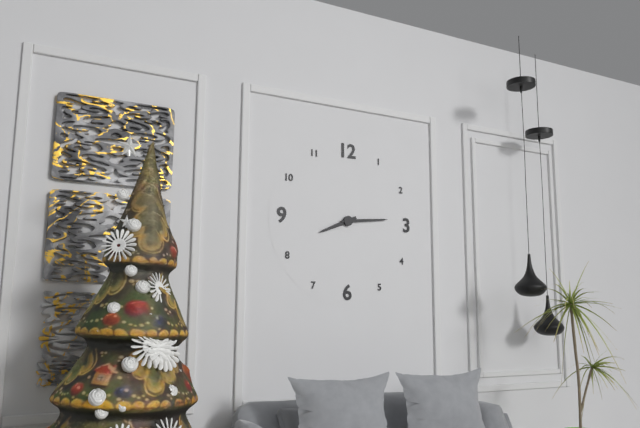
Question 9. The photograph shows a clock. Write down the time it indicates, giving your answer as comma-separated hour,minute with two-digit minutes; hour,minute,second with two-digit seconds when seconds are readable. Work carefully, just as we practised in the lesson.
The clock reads 8,14
